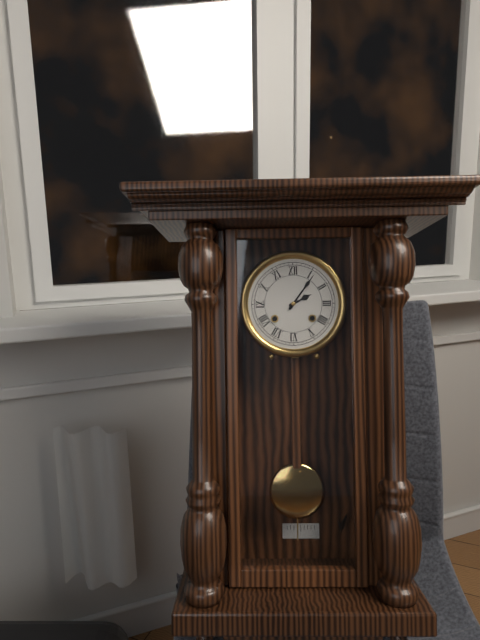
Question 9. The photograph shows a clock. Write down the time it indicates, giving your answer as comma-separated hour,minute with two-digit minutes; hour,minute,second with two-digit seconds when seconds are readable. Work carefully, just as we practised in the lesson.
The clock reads 2,06
